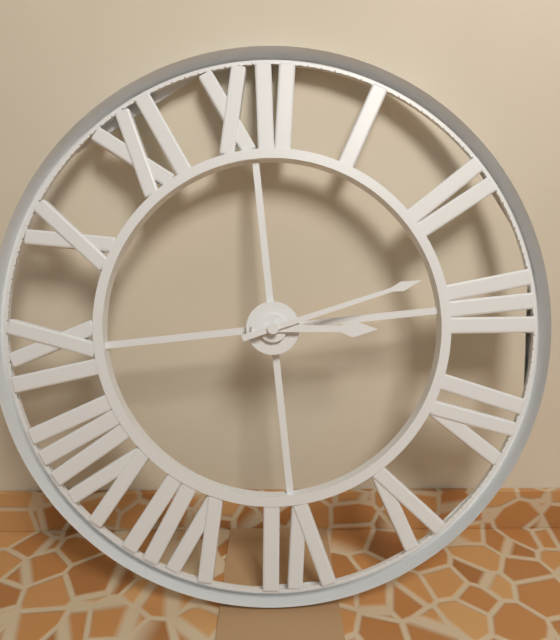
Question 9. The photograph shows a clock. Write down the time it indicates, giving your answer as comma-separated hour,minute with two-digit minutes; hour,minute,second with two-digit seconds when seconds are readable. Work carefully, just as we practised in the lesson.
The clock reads 3,13
